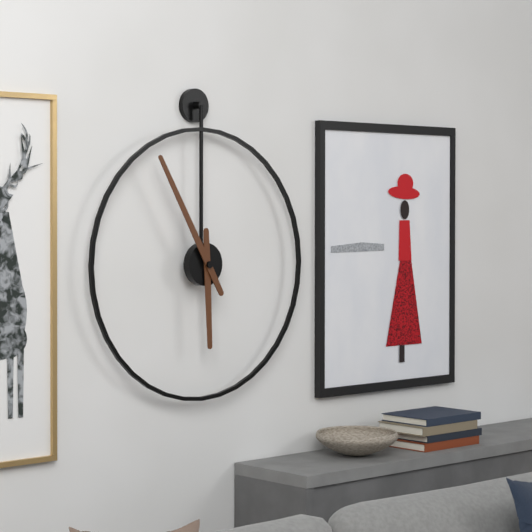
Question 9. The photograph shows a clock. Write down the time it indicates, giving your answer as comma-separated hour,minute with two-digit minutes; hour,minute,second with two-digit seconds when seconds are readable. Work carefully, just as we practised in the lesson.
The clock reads 5,55
